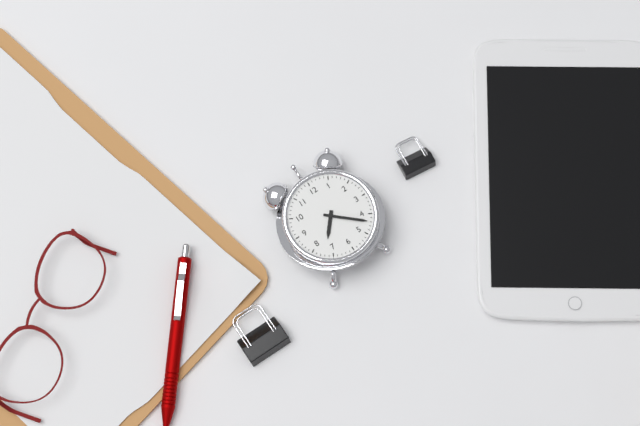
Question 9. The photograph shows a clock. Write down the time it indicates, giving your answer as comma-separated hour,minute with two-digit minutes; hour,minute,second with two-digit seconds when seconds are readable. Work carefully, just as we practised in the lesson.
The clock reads 7,22
